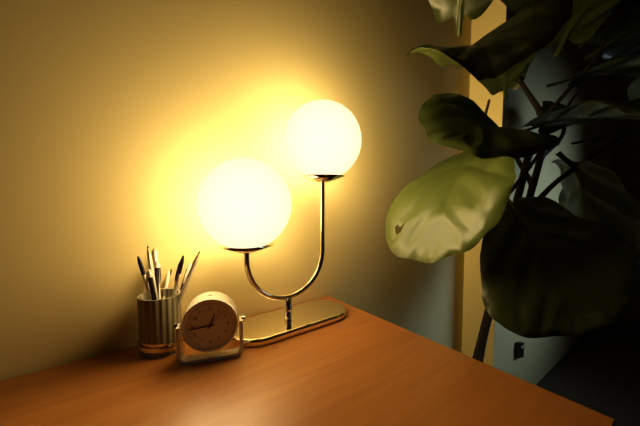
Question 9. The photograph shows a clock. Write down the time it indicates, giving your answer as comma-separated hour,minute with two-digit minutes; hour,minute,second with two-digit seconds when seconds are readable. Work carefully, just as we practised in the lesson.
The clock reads 12,44
